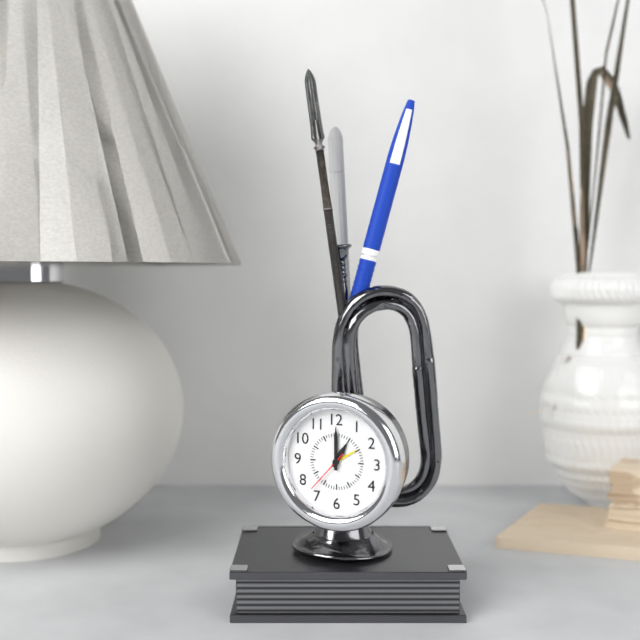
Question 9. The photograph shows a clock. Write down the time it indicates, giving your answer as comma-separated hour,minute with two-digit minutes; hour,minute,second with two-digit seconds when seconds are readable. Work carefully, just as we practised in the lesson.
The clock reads 1,00
